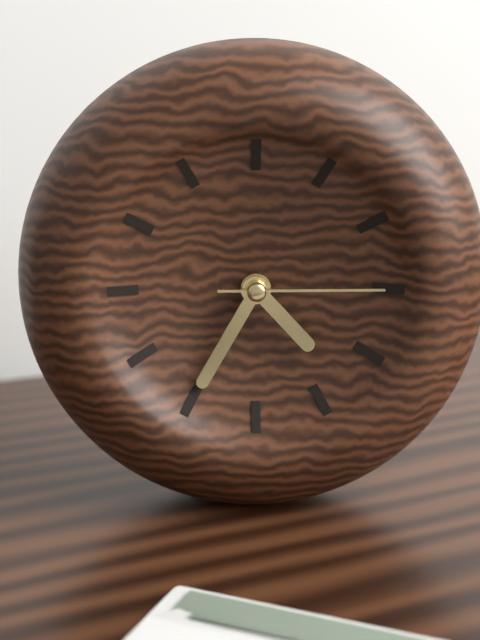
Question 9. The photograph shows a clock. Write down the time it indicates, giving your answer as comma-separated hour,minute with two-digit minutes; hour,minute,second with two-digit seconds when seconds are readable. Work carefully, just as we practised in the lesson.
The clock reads 4,35,15
